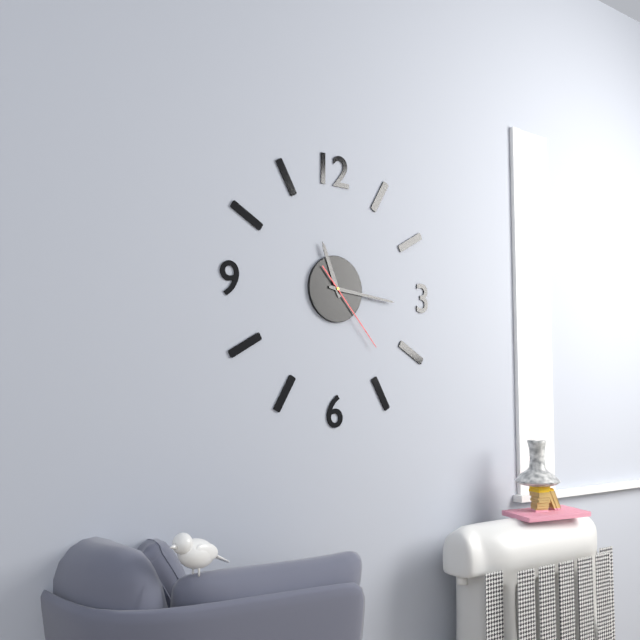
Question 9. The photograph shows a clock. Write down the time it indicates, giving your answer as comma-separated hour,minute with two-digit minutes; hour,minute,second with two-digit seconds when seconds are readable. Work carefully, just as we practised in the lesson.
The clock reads 11,16,23
